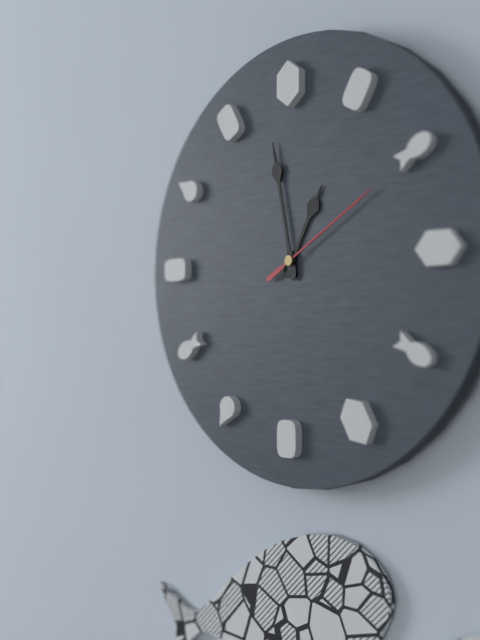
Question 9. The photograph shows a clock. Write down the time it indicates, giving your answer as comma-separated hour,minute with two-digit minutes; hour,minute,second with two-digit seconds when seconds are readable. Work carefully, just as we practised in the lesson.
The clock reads 12,58,10
